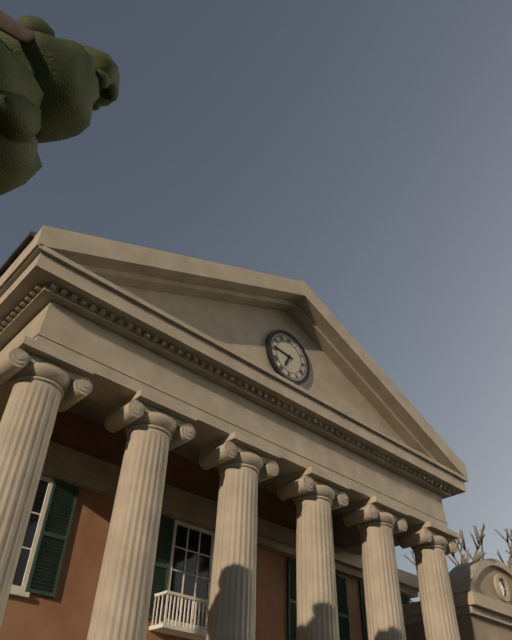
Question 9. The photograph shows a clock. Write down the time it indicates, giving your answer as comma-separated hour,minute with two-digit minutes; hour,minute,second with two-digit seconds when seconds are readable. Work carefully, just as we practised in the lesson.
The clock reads 6,46
